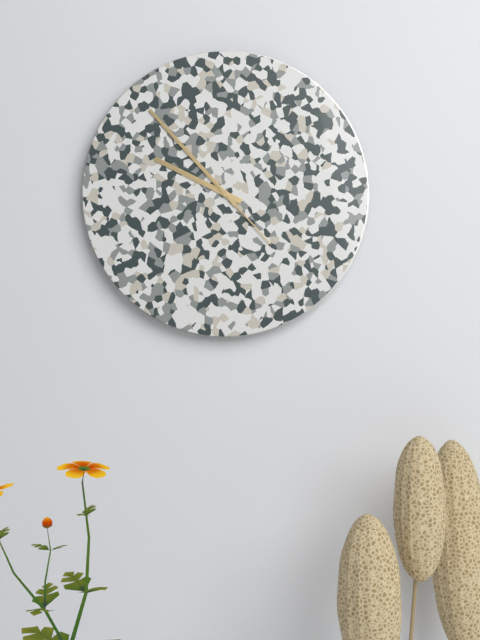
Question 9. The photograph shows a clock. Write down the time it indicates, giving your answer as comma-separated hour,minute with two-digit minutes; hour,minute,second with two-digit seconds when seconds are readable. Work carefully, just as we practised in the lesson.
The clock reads 9,53,23
